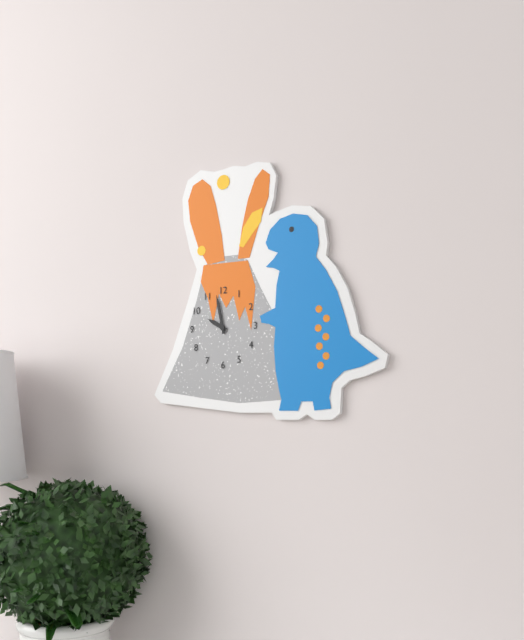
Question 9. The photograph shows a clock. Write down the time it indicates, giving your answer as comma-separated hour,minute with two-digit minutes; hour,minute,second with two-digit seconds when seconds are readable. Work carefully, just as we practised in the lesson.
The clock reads 9,58
